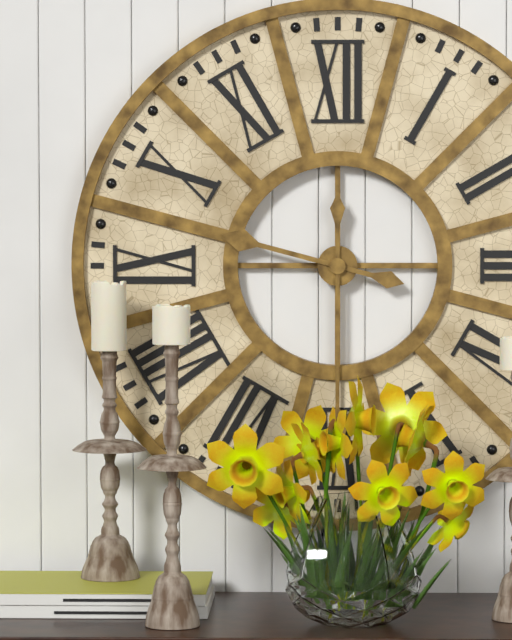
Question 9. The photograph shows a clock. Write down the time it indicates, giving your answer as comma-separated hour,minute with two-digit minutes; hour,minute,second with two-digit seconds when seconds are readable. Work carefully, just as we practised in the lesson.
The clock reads 9,30
